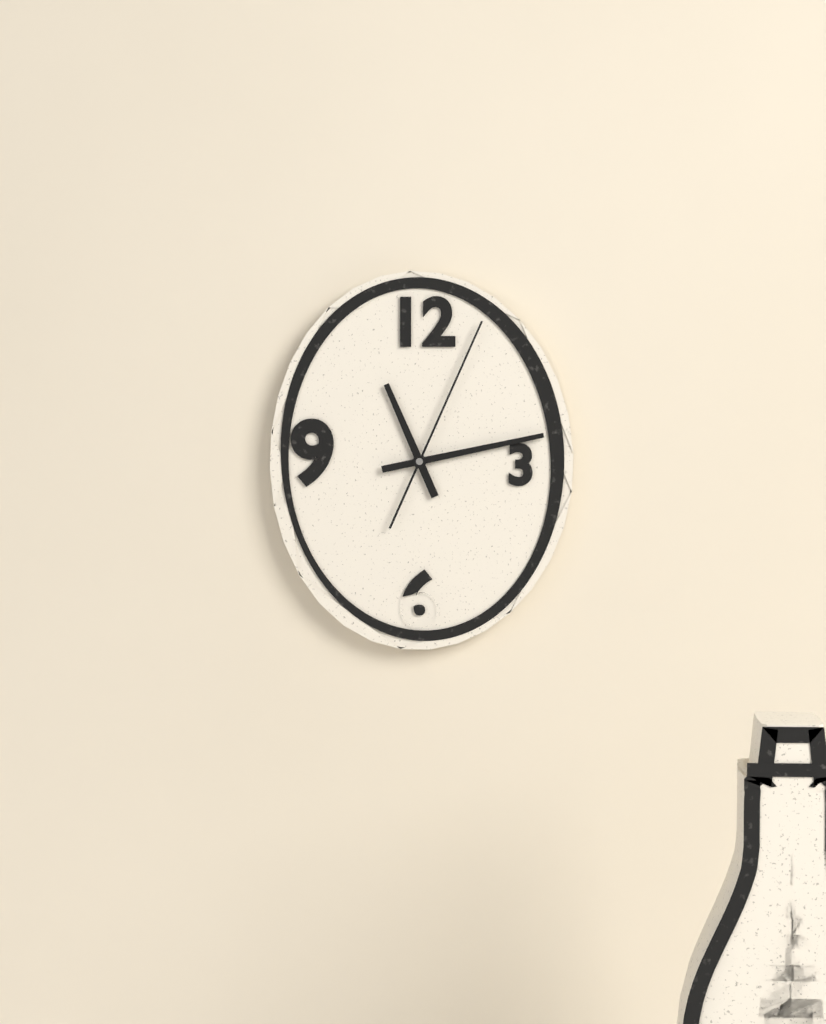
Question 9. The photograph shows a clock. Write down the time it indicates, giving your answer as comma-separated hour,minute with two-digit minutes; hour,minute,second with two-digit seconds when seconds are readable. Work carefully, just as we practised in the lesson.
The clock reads 11,13,04
